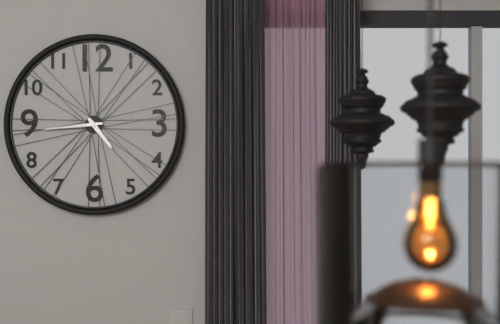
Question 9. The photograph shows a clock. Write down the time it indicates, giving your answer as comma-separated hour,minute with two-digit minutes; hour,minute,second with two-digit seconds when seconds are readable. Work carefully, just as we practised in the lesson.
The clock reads 4,44
